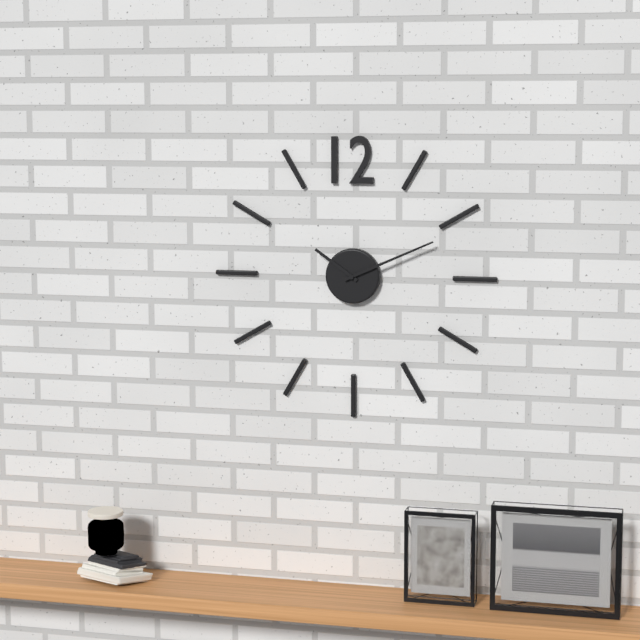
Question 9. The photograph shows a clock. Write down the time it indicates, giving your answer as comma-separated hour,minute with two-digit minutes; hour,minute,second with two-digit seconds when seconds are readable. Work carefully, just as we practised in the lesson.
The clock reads 10,11
